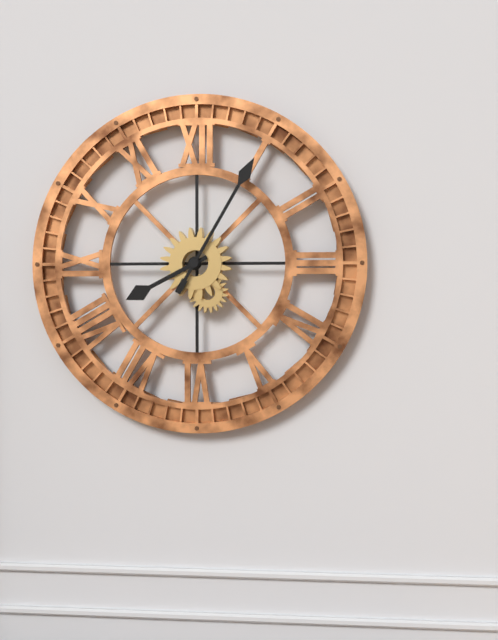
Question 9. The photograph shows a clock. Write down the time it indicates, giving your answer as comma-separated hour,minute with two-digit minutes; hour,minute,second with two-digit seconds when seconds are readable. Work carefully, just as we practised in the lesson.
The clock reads 8,05
